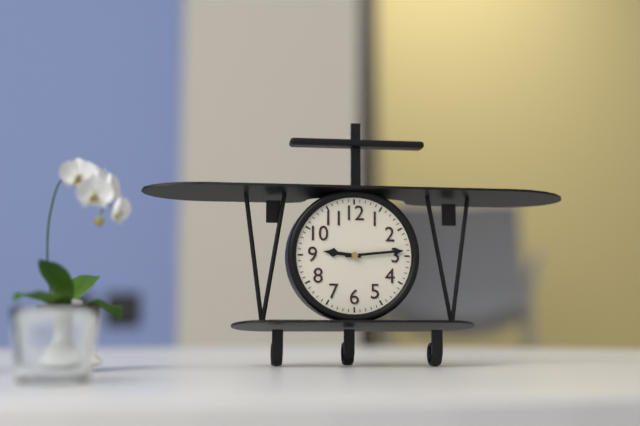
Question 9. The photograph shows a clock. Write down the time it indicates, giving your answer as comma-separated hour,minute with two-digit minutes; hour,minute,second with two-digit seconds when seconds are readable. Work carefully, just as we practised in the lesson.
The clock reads 9,14
